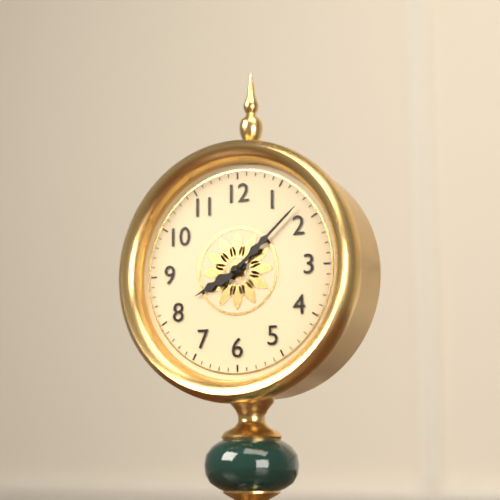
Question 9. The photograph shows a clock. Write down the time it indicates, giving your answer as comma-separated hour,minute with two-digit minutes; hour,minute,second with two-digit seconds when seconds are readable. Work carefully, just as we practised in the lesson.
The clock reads 8,08
